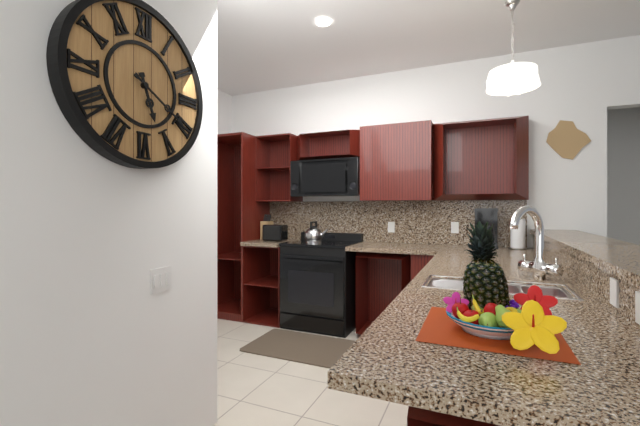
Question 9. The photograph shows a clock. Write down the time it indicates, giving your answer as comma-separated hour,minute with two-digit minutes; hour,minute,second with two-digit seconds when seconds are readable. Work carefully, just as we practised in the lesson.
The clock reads 5,20
